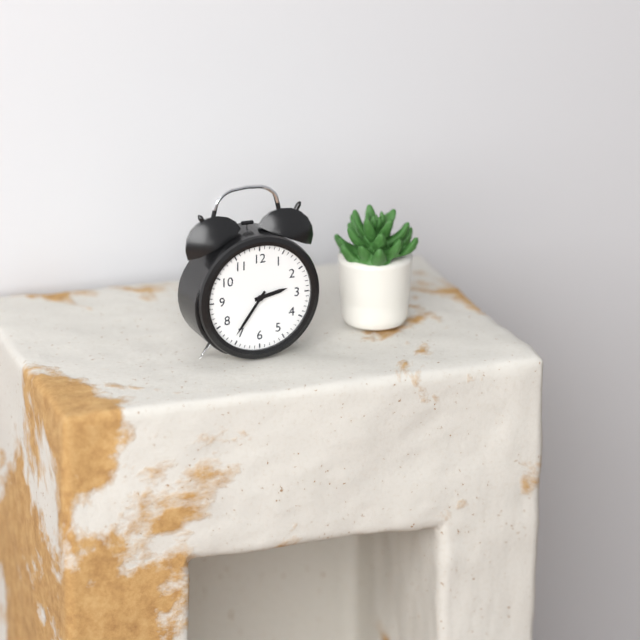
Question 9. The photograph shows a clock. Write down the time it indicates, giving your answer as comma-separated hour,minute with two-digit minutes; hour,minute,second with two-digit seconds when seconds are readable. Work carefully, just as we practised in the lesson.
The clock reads 2,36
